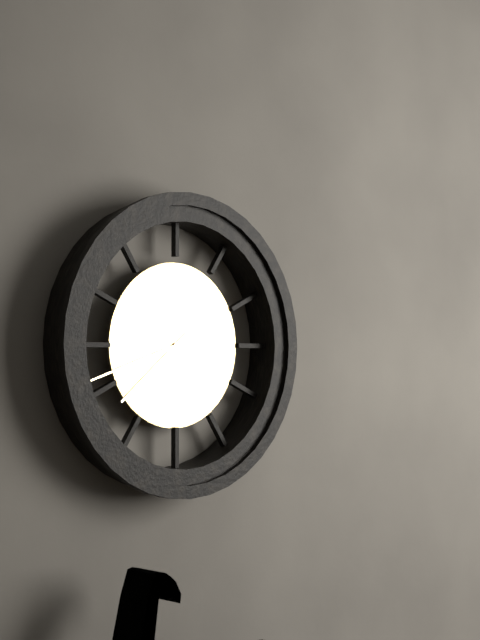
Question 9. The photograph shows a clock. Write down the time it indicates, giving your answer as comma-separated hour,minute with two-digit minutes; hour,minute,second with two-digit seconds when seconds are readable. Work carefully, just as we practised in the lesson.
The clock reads 7,42
